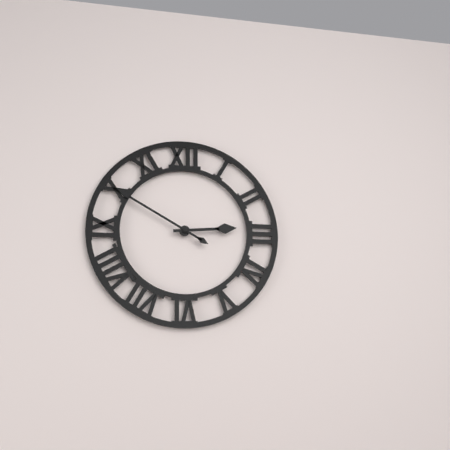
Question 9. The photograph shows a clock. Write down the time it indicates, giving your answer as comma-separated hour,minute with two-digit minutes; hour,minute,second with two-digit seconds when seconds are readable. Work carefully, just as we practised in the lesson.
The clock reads 2,50
